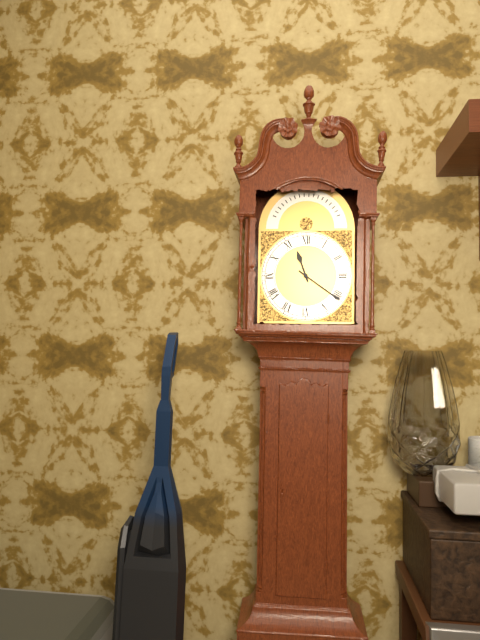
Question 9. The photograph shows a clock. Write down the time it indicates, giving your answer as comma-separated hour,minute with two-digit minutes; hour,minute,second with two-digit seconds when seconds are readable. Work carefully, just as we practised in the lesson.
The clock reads 11,21
